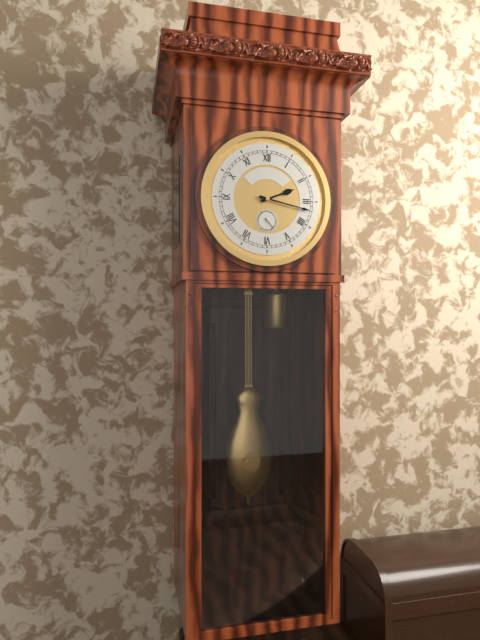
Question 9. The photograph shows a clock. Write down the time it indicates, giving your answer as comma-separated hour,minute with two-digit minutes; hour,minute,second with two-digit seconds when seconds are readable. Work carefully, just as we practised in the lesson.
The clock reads 2,17
